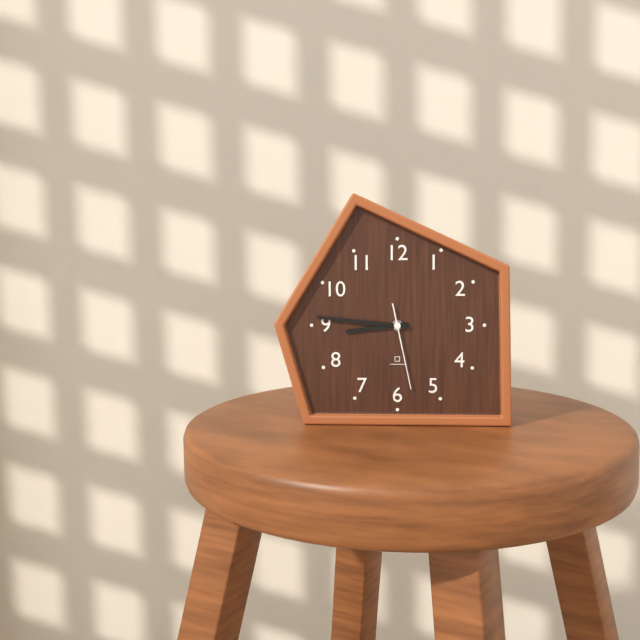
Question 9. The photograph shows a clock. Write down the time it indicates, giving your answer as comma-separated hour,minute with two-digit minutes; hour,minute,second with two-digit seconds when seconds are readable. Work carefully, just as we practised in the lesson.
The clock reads 8,46,28
